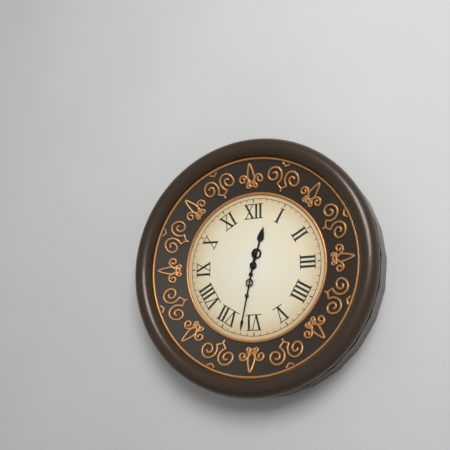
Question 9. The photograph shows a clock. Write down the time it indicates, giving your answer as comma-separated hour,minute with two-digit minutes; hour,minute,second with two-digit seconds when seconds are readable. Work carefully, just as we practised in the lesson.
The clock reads 12,32
